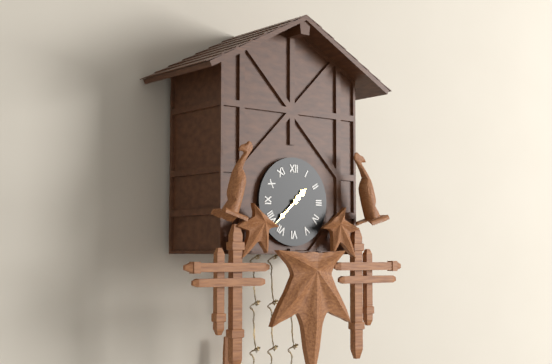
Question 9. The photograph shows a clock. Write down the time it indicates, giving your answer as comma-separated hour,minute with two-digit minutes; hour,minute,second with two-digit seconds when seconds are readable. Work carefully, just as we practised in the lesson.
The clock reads 1,38
